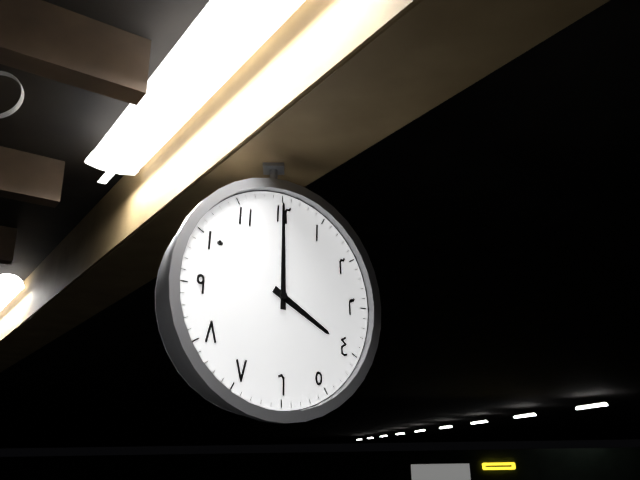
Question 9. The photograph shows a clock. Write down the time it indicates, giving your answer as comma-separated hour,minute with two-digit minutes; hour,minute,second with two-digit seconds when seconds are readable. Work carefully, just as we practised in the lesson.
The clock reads 4,00
